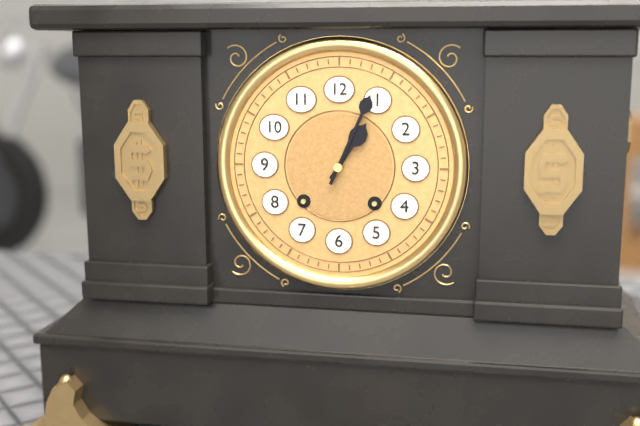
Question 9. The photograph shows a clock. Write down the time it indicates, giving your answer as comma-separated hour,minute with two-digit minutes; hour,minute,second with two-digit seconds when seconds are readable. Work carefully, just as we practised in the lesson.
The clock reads 1,04
